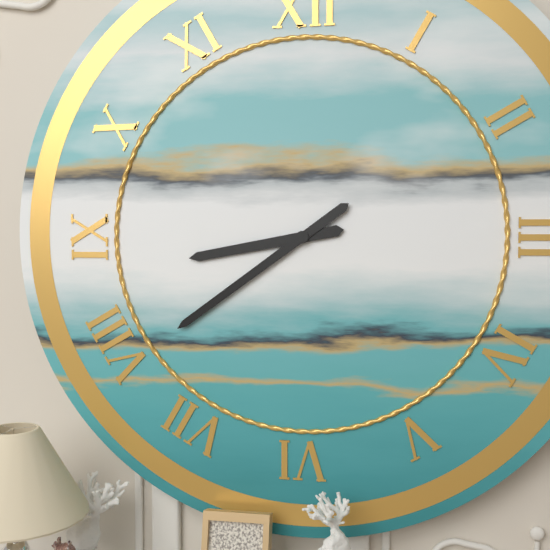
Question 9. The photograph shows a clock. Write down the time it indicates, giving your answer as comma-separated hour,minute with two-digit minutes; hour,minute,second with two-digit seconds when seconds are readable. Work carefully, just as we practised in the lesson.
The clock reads 8,39
